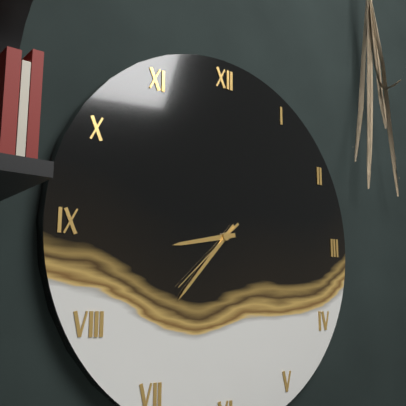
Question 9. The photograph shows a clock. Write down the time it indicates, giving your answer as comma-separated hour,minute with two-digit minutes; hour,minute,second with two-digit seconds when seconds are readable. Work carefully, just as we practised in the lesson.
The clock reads 8,37,38
